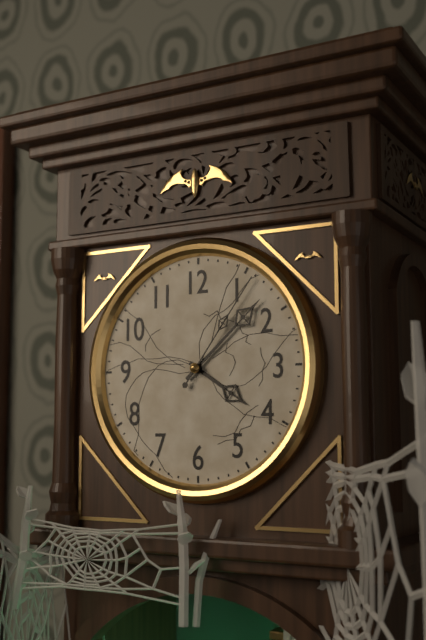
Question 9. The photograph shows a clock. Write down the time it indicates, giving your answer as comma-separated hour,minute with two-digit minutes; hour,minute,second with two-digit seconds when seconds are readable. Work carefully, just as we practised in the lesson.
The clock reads 4,08,06
